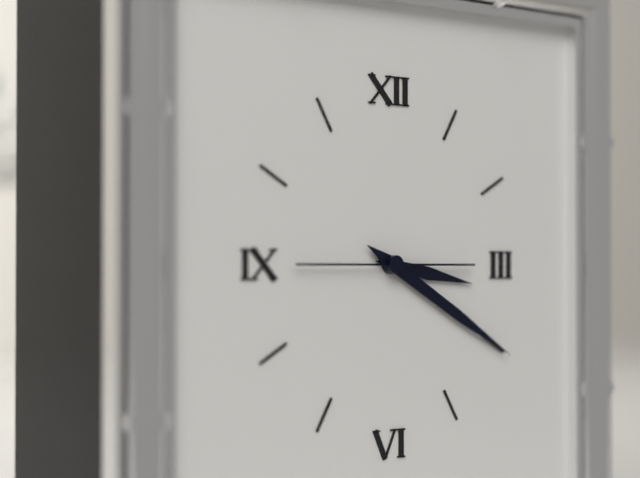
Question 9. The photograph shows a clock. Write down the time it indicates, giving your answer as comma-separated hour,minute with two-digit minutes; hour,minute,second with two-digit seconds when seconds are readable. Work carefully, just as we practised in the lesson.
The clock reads 3,20,45
